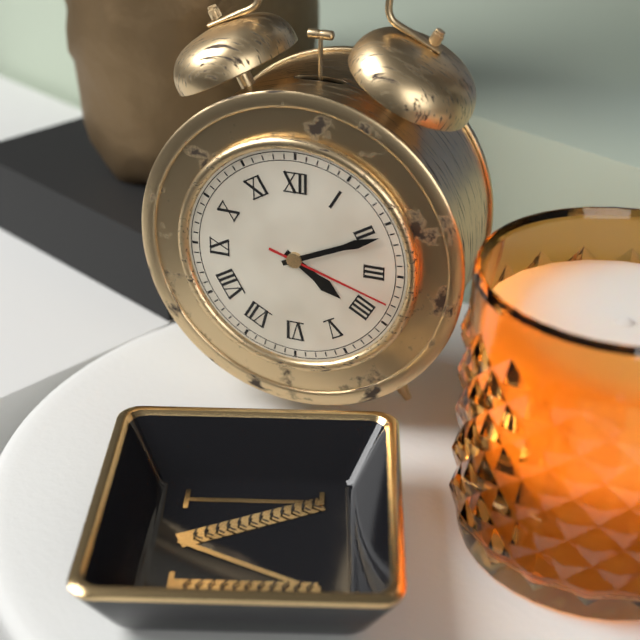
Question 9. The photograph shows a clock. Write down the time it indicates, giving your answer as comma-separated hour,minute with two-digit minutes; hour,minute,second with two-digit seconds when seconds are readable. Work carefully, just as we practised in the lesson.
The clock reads 4,11,18
